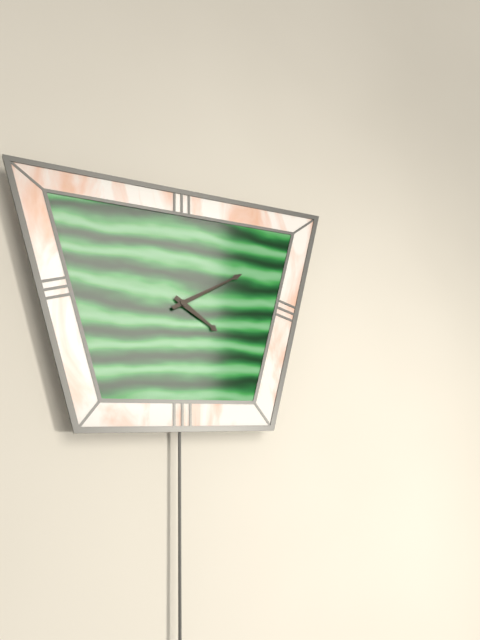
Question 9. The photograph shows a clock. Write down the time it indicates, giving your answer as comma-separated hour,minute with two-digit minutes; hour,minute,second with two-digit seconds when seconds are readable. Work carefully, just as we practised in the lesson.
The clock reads 4,10
